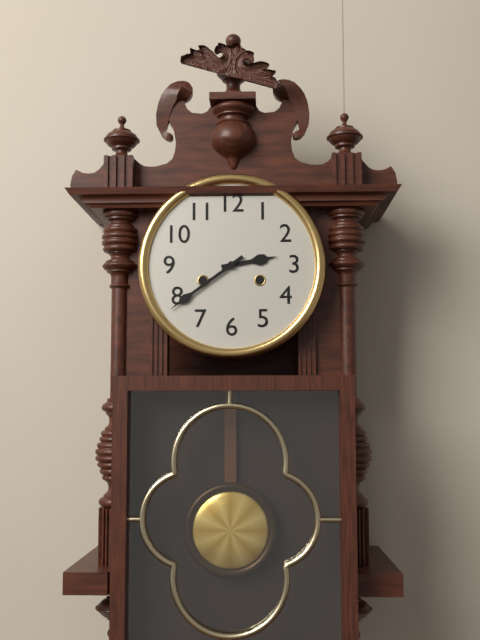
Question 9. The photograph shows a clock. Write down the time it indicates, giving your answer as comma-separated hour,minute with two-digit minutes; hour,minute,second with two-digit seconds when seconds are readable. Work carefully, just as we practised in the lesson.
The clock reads 2,39
